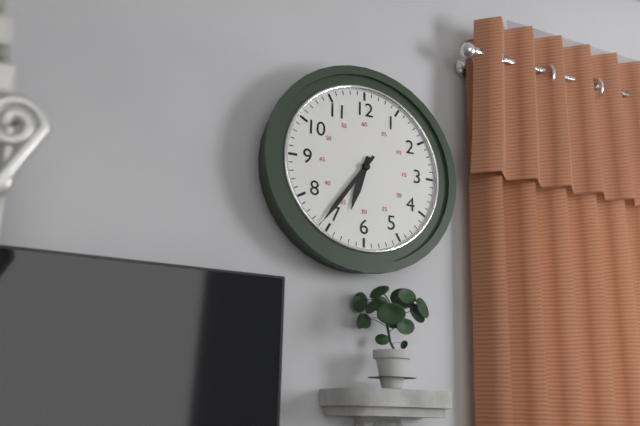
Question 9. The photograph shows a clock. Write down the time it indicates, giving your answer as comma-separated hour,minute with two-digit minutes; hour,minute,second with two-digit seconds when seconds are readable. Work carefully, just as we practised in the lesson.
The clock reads 6,36
